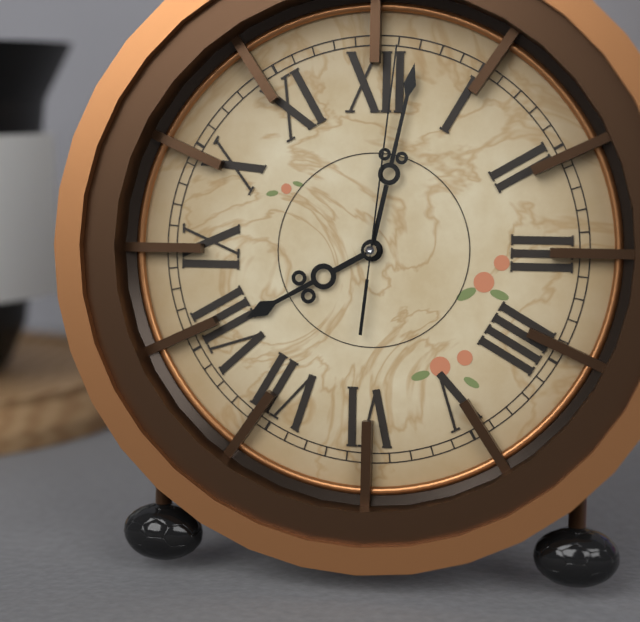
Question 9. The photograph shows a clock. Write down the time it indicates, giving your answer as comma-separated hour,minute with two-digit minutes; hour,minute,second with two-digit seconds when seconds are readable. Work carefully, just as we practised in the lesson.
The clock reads 8,02,01
